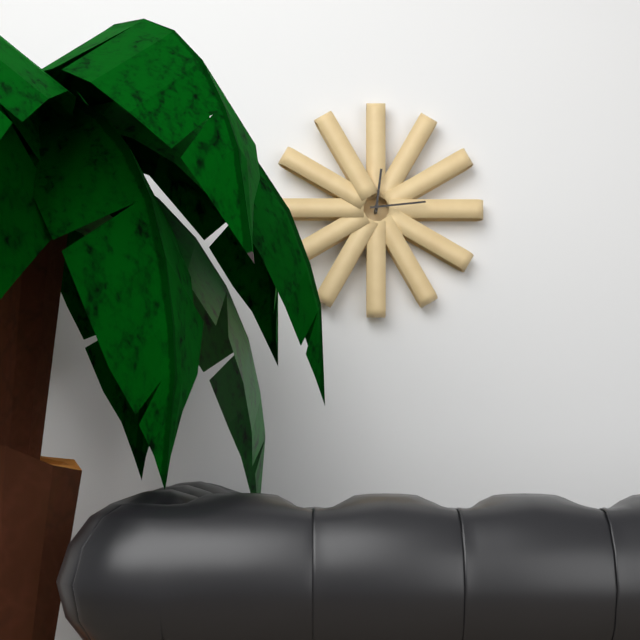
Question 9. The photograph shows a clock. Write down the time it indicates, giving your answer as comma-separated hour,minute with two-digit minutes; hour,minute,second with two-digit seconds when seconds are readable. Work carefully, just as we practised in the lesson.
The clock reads 12,14
